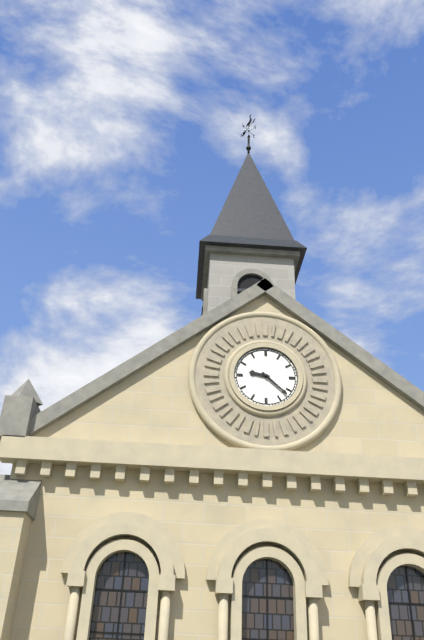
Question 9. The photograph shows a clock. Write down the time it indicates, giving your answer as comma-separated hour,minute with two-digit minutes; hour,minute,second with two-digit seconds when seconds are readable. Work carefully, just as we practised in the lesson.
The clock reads 9,22
